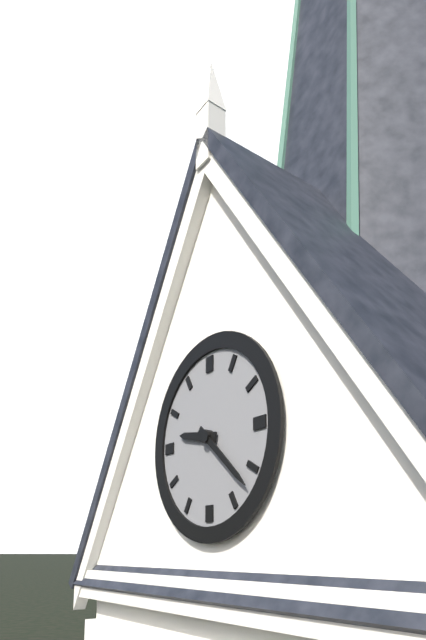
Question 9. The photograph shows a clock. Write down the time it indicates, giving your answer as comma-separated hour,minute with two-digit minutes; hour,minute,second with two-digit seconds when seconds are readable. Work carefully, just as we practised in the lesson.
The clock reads 9,22
